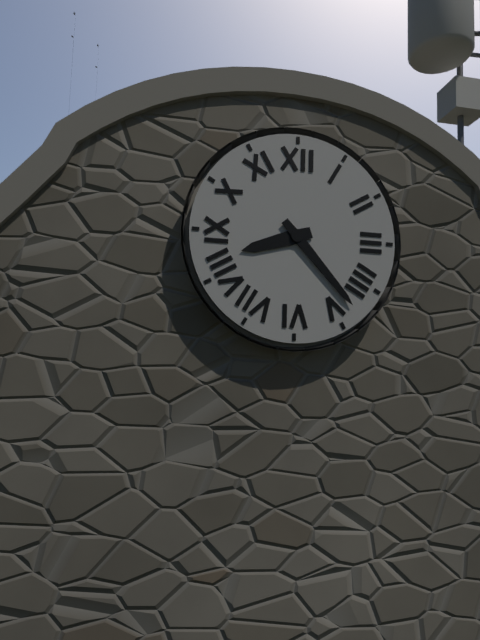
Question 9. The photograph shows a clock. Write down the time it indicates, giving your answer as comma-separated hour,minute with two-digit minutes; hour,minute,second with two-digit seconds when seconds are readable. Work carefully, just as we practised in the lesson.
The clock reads 8,23
